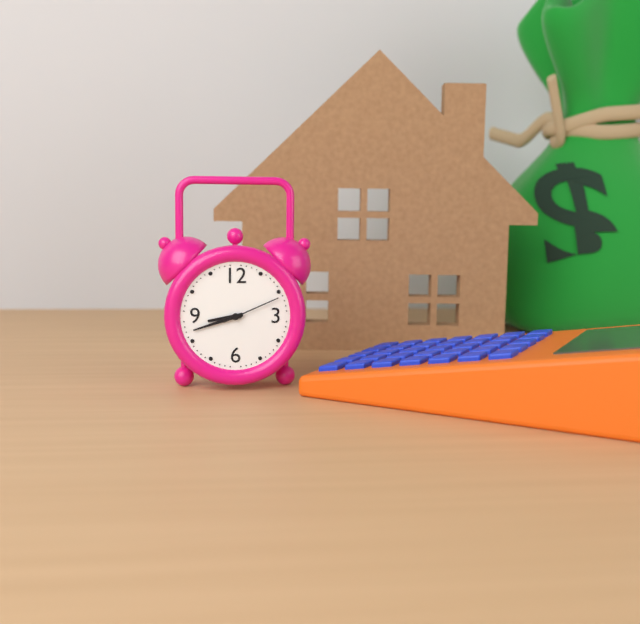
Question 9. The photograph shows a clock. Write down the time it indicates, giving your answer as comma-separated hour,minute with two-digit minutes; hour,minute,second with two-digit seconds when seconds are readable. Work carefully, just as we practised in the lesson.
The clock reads 8,42,11
